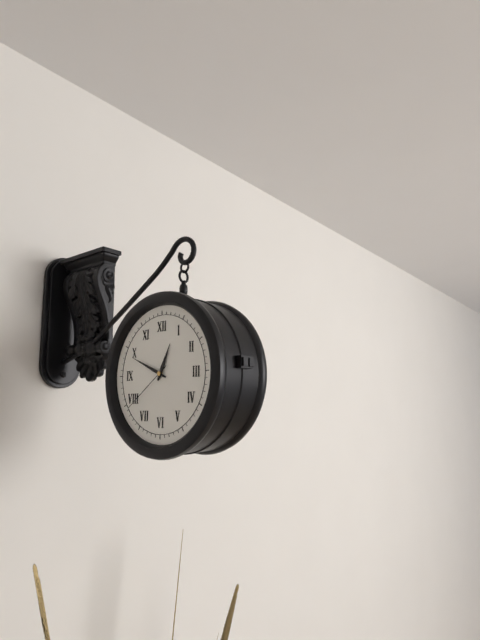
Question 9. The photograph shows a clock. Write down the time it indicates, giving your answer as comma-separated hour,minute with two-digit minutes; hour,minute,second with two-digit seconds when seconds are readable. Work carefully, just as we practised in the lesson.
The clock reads 12,49,39
